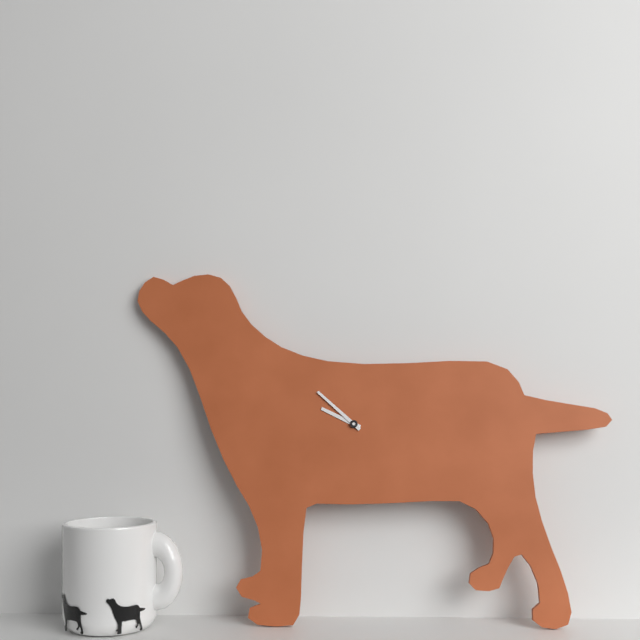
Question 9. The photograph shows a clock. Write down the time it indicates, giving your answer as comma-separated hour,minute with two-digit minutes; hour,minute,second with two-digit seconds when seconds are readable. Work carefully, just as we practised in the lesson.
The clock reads 9,52
